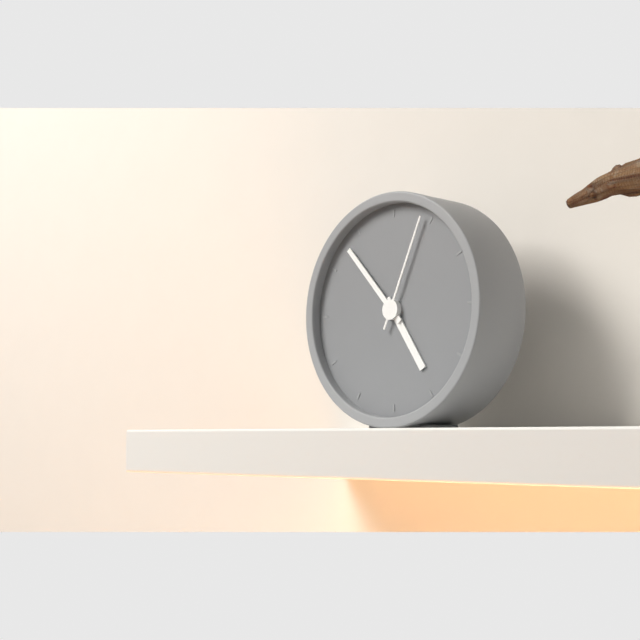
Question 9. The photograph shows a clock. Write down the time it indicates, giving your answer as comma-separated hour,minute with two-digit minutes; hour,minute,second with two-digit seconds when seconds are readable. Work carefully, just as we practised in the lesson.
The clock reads 4,53,04
